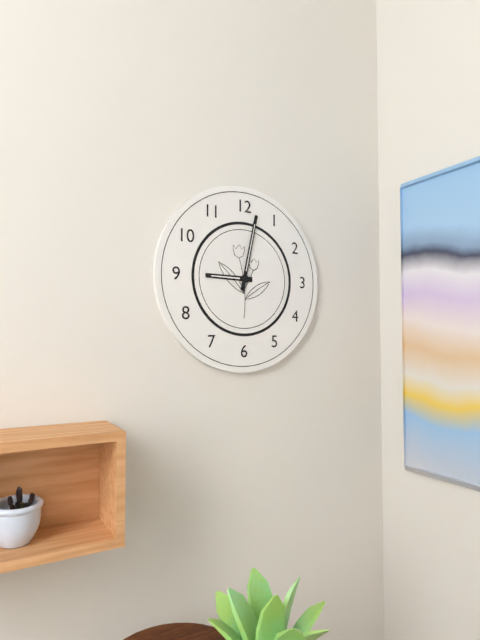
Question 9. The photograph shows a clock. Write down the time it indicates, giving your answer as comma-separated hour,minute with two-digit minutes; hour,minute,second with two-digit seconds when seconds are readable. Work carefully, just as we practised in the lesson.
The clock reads 9,02
